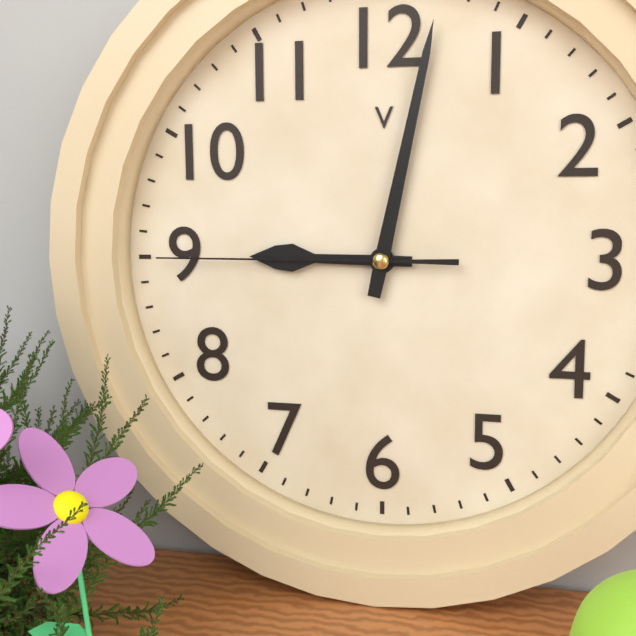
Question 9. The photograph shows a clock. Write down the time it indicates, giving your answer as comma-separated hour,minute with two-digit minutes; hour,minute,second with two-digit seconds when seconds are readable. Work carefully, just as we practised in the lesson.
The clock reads 9,02,45
